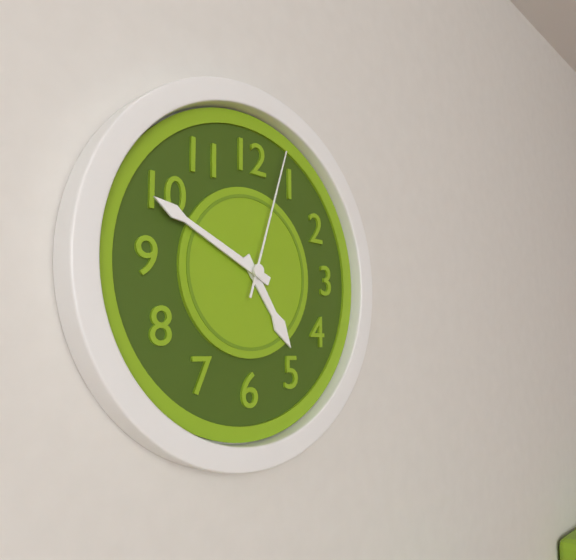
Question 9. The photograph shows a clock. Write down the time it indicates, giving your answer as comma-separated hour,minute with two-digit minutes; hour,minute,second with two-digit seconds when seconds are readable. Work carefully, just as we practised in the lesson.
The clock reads 4,49,03
